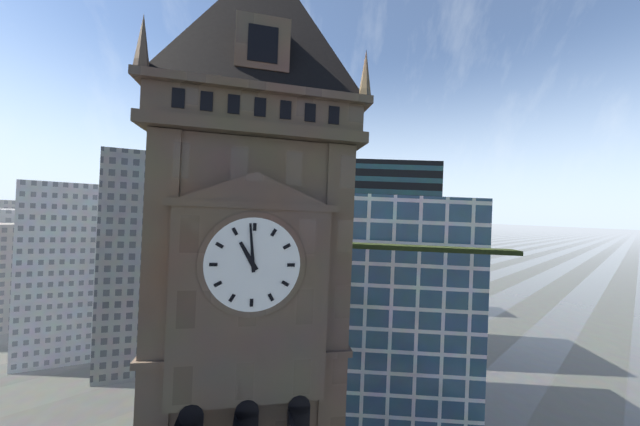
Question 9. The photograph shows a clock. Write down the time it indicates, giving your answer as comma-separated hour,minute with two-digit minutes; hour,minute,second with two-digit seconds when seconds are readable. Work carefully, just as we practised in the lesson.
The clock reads 10,59
